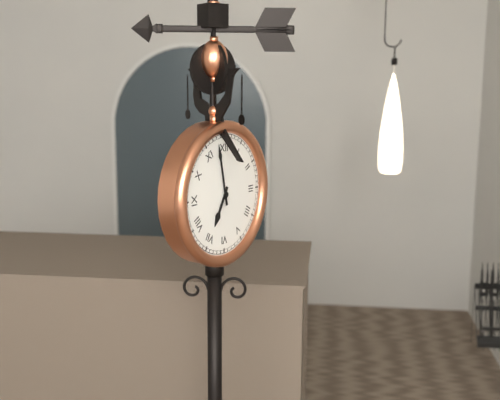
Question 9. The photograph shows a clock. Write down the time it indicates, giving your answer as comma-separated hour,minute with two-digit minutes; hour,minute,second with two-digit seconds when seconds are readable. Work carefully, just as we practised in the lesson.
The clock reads 6,58
